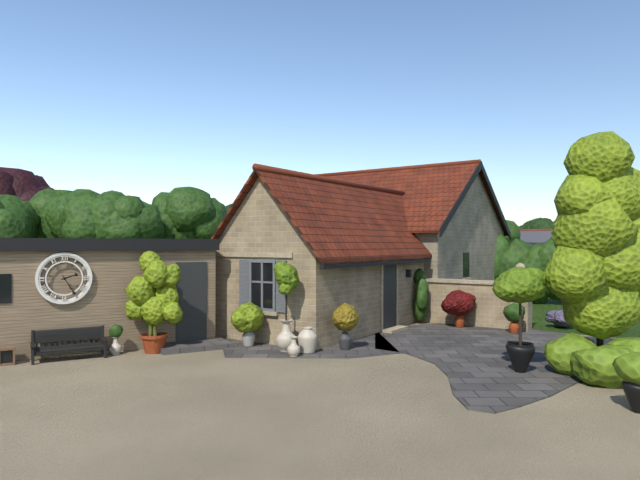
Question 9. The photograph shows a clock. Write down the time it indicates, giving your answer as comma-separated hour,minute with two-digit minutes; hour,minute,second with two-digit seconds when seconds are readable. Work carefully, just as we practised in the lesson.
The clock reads 2,25
